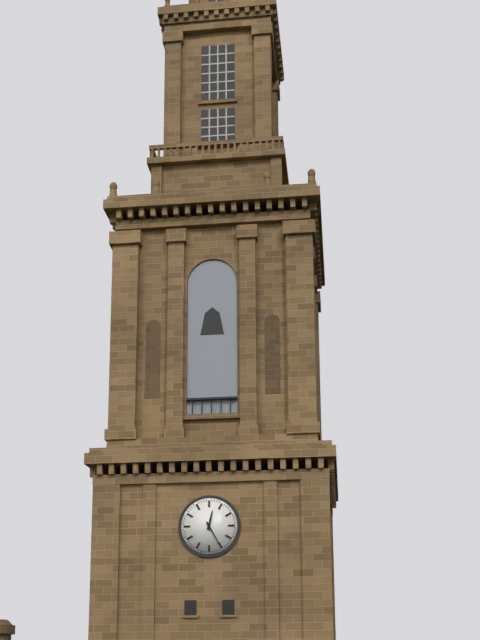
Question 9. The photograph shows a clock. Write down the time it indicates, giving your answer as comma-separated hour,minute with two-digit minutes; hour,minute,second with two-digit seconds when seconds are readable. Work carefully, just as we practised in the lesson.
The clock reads 12,25
